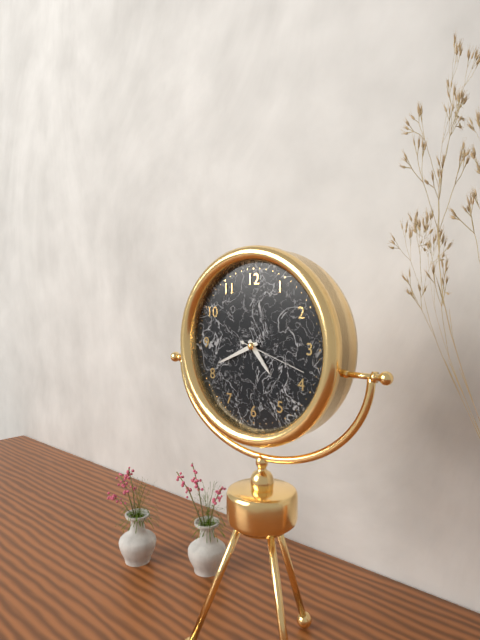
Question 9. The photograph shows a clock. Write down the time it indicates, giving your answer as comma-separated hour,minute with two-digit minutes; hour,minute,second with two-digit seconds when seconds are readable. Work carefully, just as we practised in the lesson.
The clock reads 4,41,18
